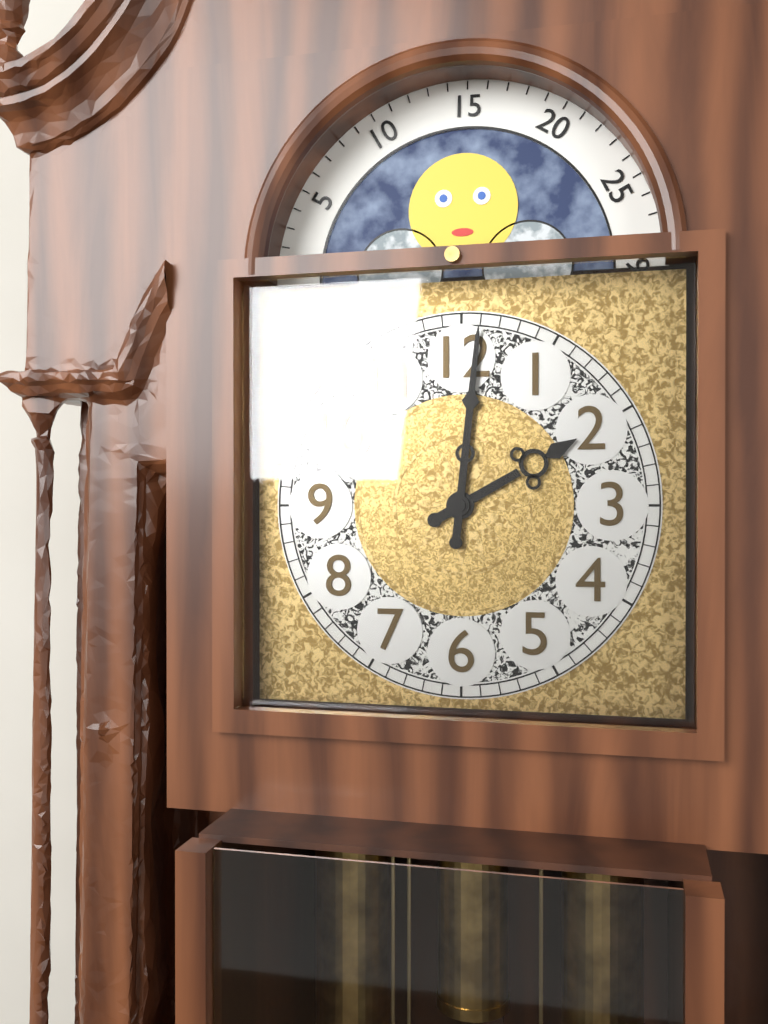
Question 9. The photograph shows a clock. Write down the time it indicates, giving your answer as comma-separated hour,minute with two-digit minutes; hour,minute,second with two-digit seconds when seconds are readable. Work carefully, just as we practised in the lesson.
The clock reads 2,01
